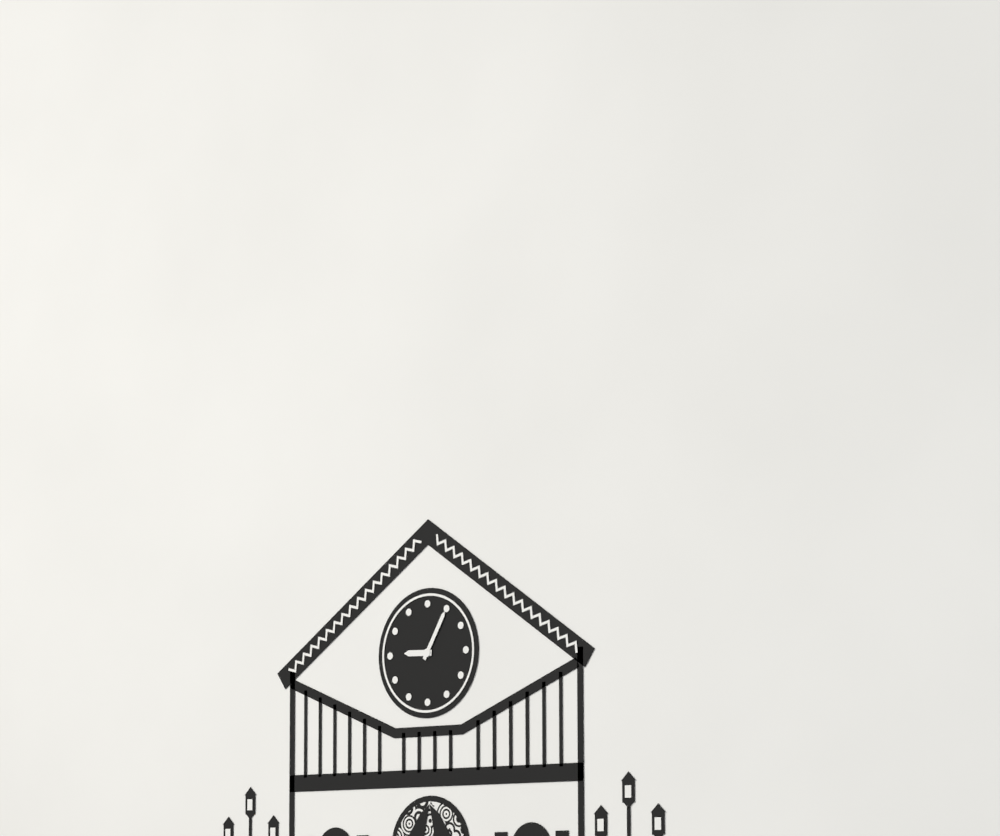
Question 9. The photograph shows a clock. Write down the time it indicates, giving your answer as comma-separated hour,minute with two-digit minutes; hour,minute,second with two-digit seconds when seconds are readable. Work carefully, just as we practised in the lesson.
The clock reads 9,05
